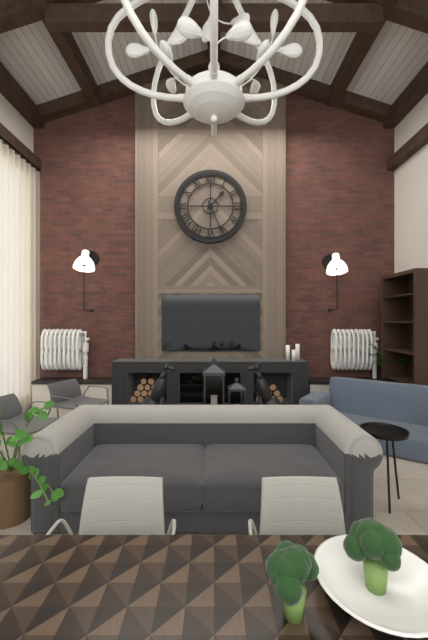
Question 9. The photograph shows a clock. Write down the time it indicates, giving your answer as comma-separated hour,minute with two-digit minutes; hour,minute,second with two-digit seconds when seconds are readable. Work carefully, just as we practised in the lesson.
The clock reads 1,26
